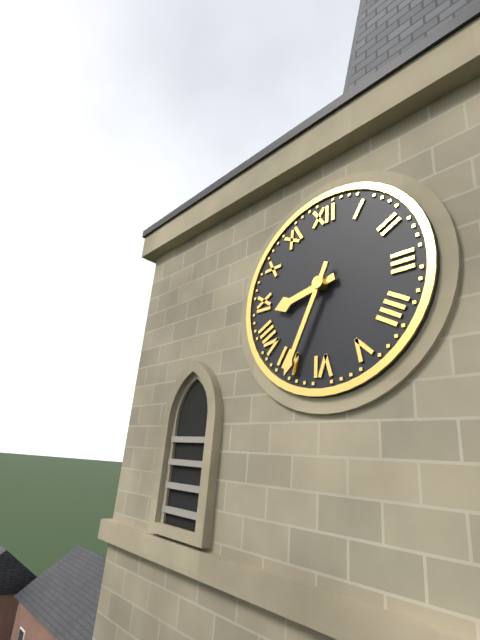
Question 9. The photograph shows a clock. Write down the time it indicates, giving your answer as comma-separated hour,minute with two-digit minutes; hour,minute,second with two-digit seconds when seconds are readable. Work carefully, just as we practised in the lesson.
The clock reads 8,34
